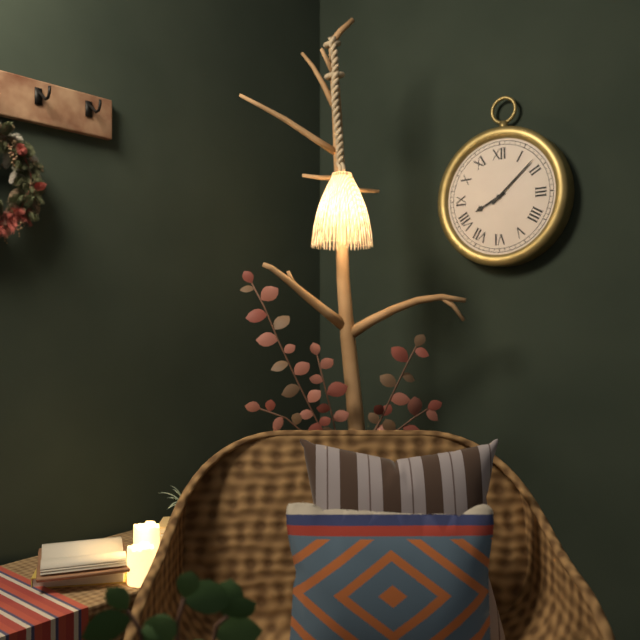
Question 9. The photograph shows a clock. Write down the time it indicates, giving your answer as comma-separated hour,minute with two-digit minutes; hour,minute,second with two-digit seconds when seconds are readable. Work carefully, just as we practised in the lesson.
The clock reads 8,08
